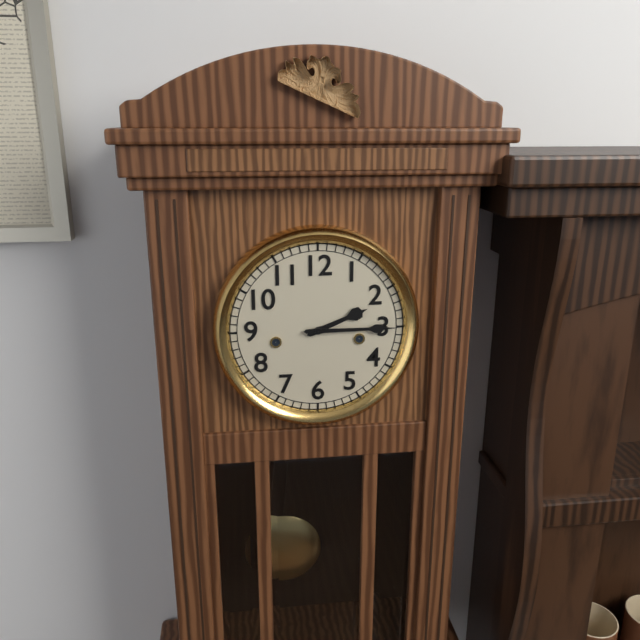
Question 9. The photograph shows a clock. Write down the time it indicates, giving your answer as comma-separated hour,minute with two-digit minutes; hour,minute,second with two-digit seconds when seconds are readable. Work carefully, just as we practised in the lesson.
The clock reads 2,15
